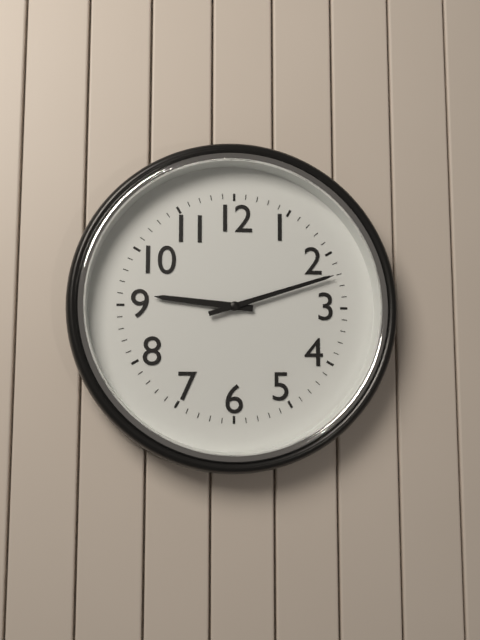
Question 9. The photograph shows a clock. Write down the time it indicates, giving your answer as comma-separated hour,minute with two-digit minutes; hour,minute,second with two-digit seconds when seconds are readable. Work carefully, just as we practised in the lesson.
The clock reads 9,12
